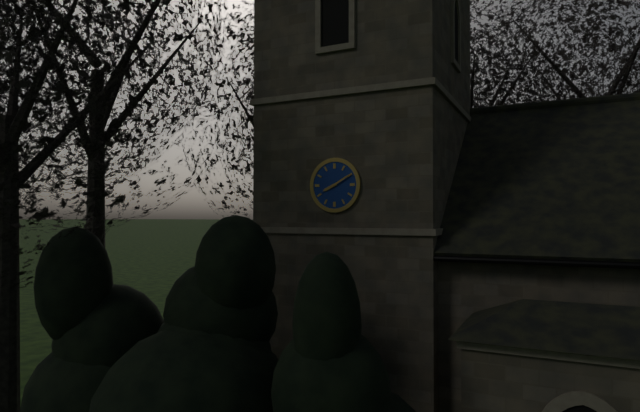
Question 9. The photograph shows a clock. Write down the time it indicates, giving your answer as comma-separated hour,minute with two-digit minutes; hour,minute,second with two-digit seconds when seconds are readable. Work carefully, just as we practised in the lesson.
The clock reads 8,10
